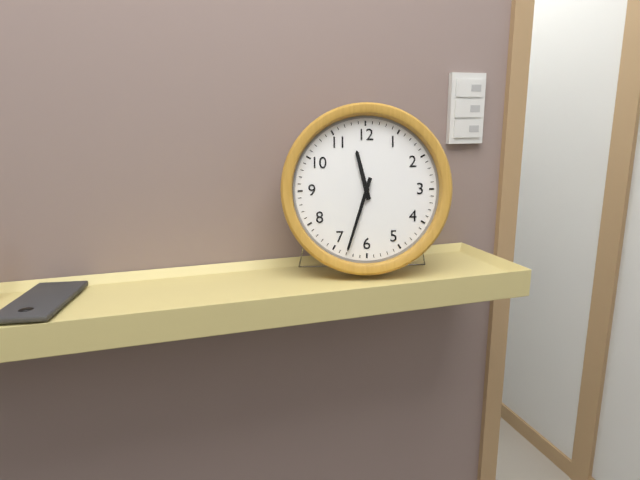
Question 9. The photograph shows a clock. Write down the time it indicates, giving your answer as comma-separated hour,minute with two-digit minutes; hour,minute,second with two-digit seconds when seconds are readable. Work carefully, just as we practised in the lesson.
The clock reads 11,33
